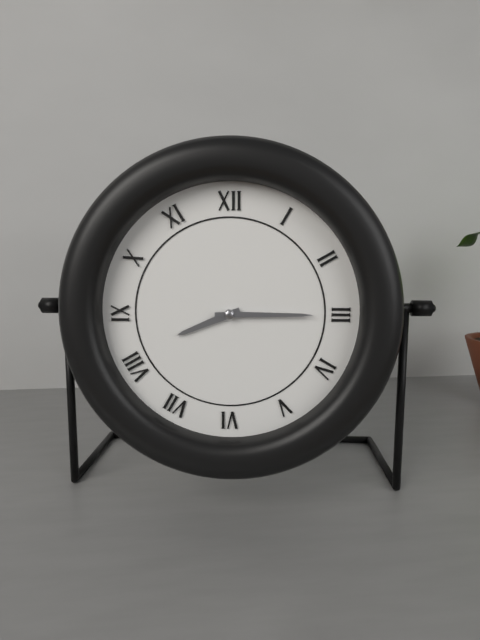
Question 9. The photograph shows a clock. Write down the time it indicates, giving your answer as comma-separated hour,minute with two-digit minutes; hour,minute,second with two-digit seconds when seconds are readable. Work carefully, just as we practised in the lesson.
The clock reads 8,15
